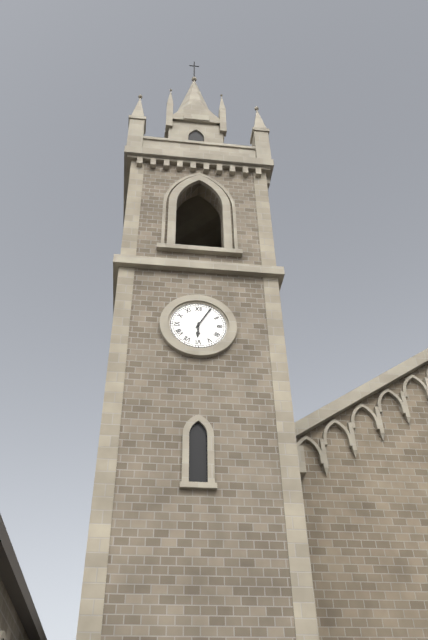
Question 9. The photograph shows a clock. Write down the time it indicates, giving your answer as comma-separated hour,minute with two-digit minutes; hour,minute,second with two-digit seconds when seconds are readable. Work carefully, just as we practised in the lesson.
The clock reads 6,05
